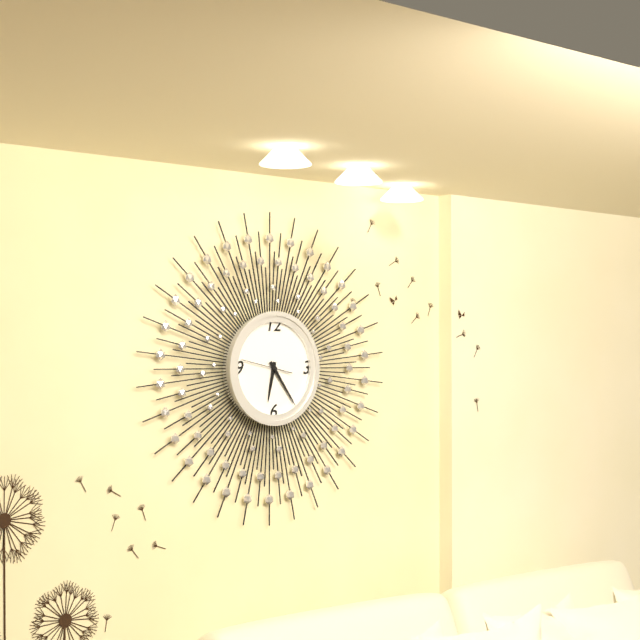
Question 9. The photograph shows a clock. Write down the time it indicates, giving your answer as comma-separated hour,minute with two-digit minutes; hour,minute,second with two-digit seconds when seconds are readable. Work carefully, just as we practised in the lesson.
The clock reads 6,24
